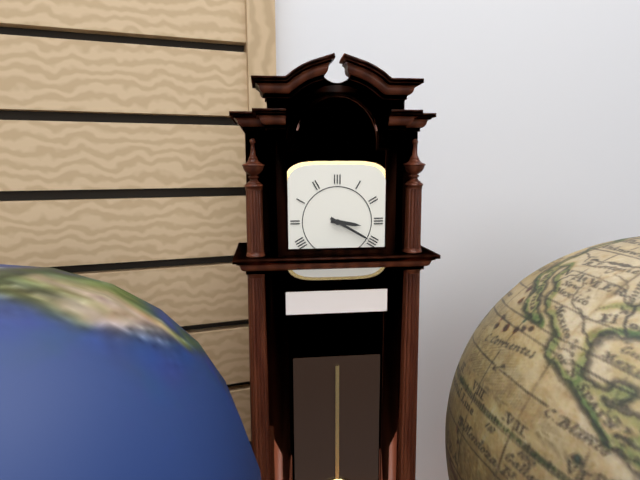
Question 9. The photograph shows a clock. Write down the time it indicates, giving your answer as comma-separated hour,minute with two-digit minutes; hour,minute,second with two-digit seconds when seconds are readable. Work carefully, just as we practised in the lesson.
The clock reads 3,20
